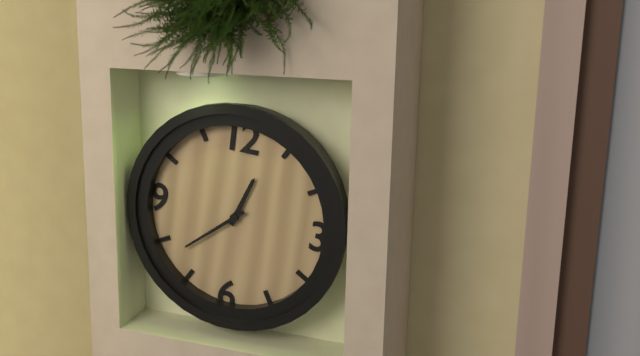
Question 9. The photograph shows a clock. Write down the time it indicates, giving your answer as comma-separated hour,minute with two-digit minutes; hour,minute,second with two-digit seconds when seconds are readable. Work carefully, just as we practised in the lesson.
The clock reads 12,38
